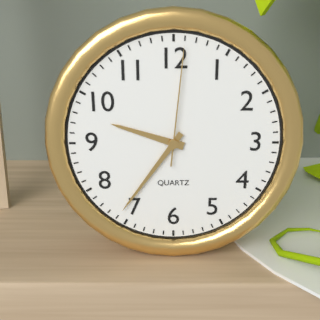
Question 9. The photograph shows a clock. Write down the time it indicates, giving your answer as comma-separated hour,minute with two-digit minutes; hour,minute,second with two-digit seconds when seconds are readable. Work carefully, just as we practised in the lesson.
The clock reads 9,36,01
